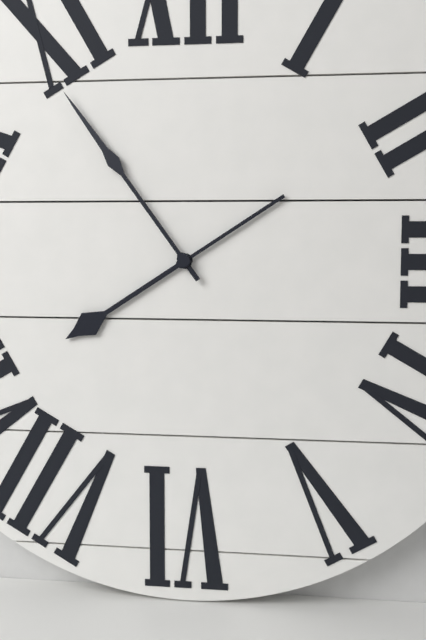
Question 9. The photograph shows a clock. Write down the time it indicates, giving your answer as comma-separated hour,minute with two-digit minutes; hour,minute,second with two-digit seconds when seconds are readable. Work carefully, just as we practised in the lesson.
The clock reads 7,54
